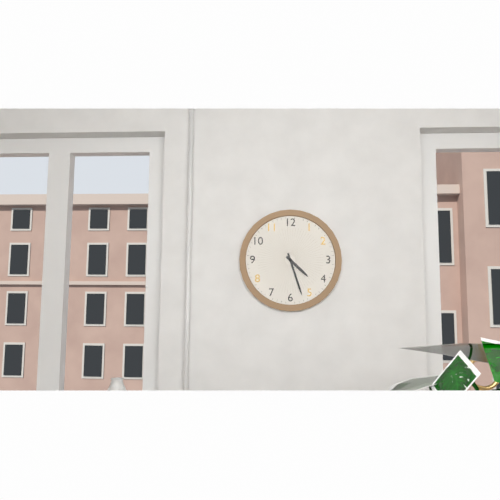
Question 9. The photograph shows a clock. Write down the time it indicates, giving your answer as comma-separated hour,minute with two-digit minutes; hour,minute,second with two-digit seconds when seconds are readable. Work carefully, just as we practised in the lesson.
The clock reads 4,27
